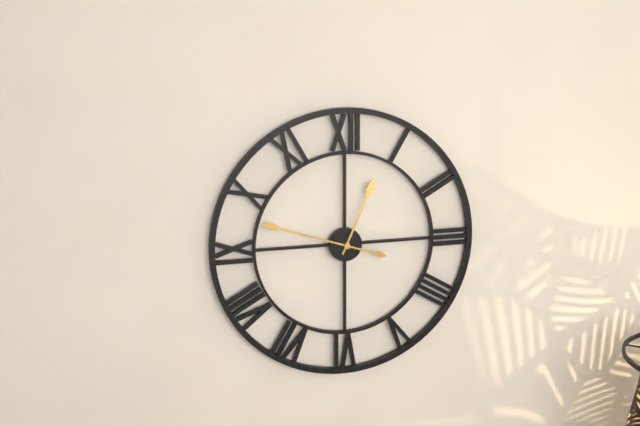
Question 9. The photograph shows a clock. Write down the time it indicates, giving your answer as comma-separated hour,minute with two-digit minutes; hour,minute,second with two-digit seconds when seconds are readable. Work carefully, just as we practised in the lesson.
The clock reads 12,48
